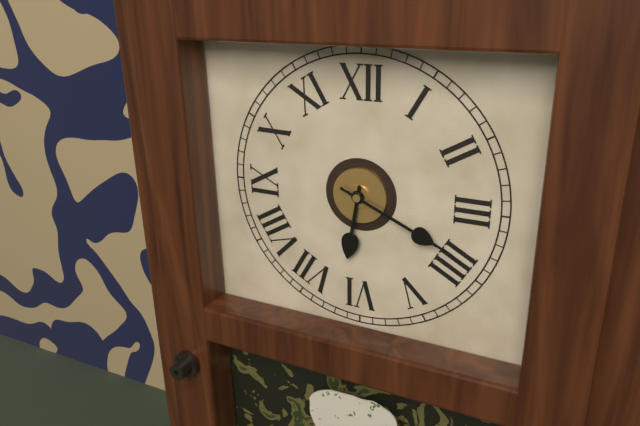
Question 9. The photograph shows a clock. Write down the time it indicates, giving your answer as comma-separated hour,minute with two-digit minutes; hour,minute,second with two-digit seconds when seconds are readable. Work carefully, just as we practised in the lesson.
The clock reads 6,19
